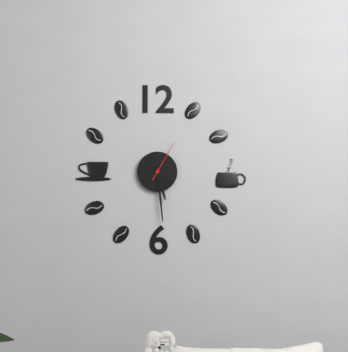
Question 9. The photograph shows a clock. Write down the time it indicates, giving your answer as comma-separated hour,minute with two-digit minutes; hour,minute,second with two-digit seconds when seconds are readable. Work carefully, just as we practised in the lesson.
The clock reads 5,29
